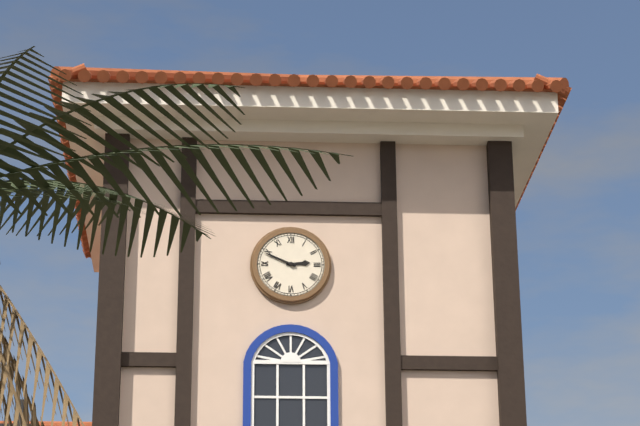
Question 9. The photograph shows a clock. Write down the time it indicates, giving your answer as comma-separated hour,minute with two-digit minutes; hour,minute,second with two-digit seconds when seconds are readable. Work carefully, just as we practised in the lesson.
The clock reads 2,49
